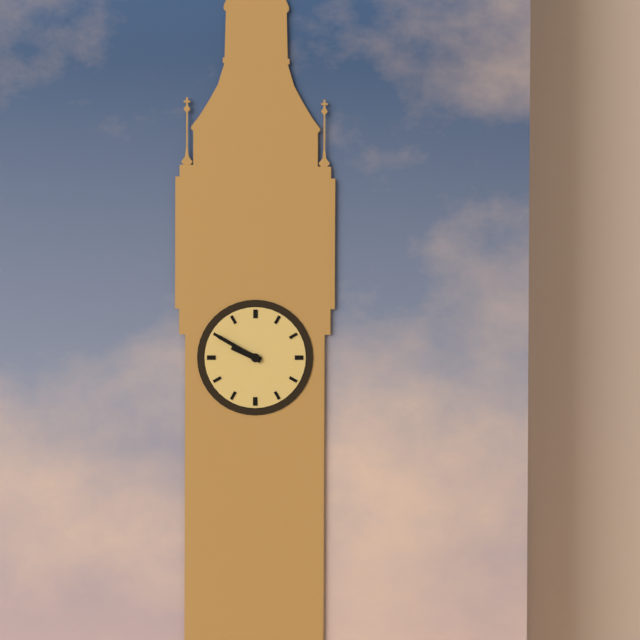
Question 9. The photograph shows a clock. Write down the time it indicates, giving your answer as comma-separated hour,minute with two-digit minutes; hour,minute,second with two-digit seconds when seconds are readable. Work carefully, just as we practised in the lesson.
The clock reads 9,50
